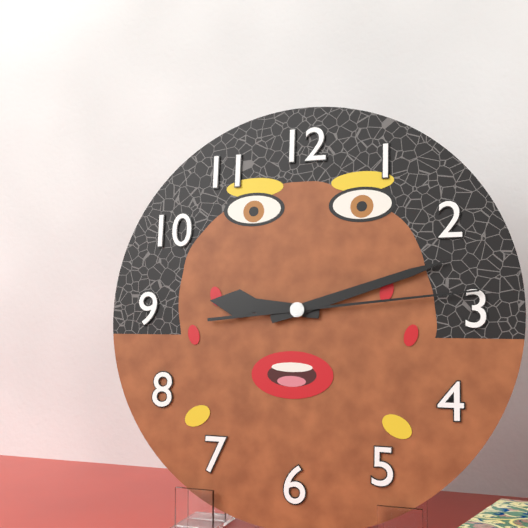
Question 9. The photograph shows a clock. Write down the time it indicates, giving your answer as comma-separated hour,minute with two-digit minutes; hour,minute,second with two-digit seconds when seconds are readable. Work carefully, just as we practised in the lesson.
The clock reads 9,12,14
